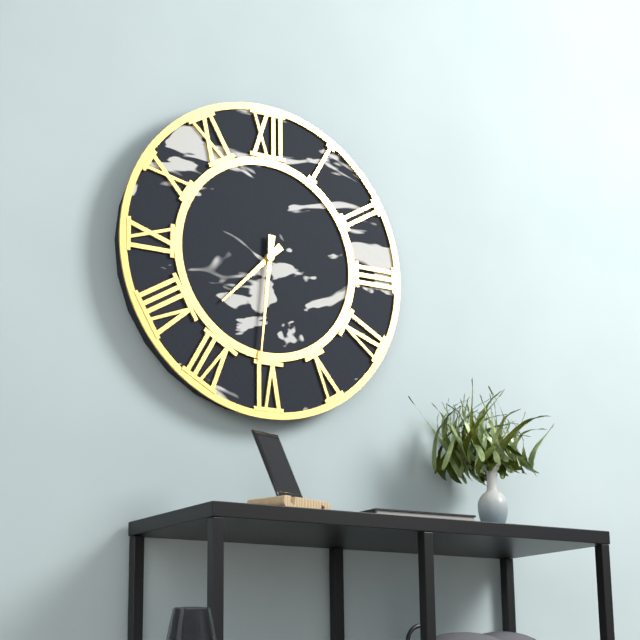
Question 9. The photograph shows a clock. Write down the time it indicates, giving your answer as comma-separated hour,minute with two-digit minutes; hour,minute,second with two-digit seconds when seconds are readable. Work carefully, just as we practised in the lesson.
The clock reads 7,31
